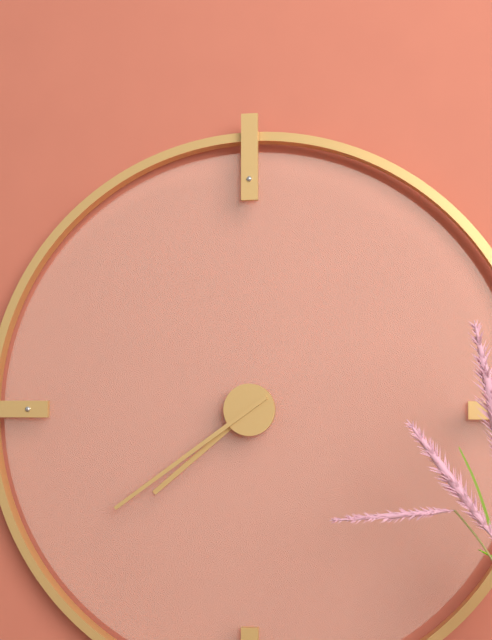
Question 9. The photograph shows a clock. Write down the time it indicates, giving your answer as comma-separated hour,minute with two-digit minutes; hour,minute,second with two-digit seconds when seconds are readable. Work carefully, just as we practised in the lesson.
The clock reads 7,39
